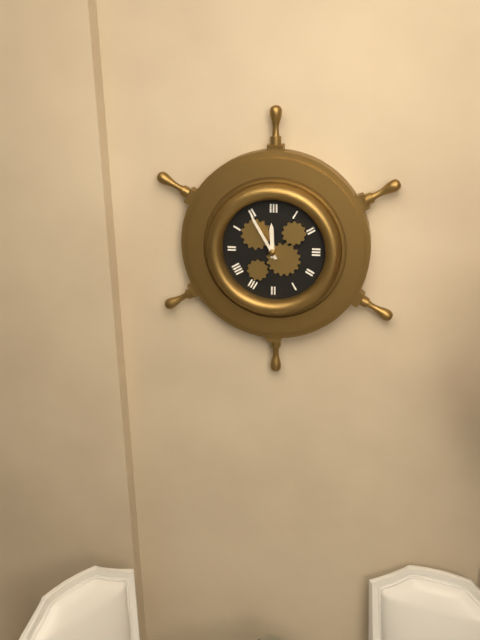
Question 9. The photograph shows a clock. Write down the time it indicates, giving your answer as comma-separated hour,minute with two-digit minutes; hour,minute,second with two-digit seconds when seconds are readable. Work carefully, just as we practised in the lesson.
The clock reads 11,55
